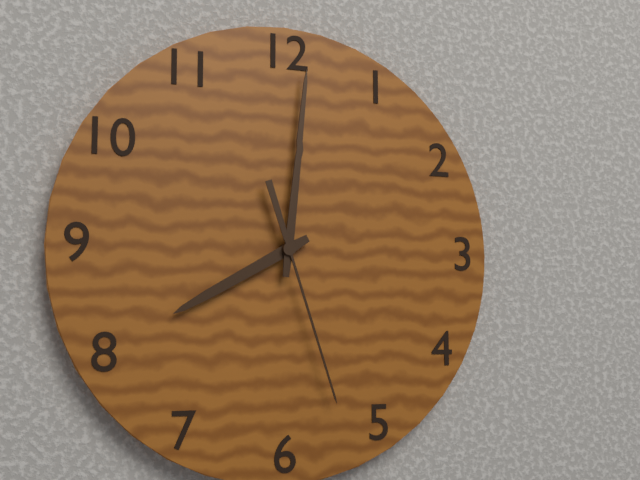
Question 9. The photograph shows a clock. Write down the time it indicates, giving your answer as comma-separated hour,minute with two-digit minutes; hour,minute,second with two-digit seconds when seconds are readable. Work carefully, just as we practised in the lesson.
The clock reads 8,01,27
